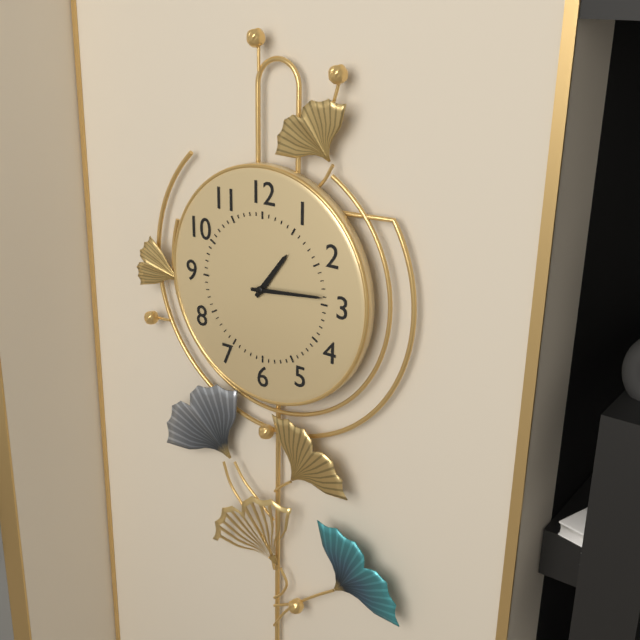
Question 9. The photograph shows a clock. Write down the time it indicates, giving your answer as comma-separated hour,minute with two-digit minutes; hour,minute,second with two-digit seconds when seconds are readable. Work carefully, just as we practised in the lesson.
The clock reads 1,14
